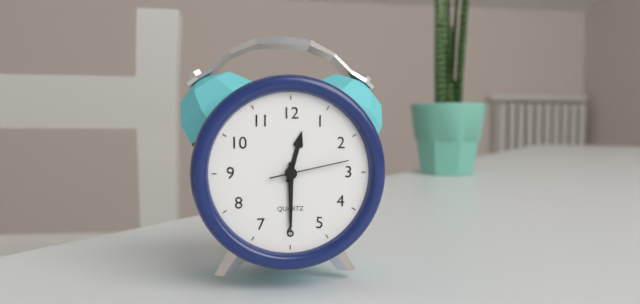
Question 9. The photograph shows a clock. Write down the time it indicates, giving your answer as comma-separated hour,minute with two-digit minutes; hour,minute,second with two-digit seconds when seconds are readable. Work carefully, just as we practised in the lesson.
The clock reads 12,30,13
